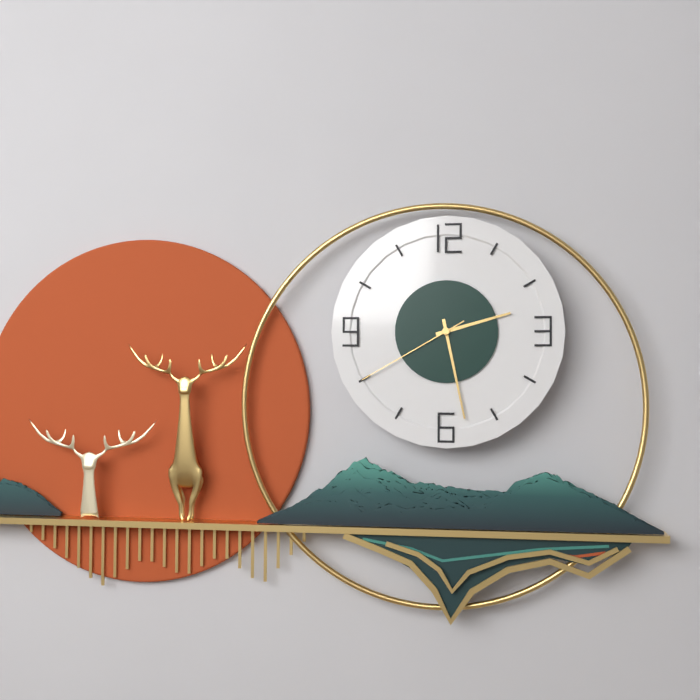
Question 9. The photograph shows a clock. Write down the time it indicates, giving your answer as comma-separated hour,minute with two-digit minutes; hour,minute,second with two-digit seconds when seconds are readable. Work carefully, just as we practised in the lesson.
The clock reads 2,28,40
